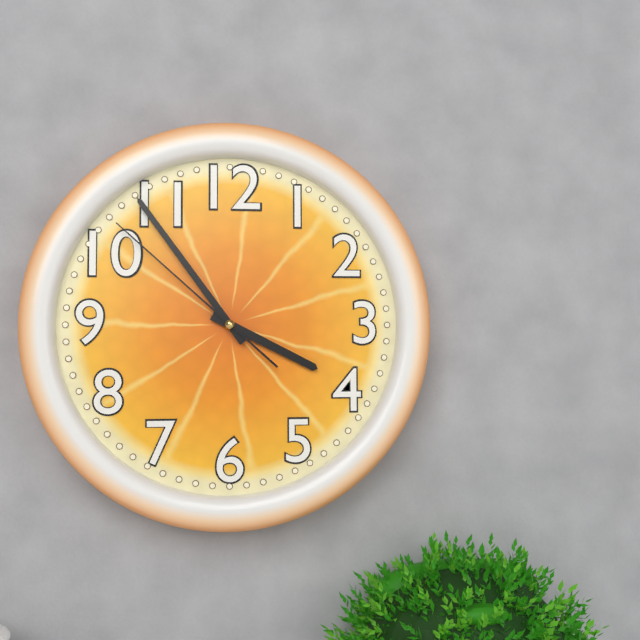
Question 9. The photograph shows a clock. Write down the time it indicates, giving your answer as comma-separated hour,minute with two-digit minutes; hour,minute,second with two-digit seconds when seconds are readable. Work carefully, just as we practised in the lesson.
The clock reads 3,54,52
